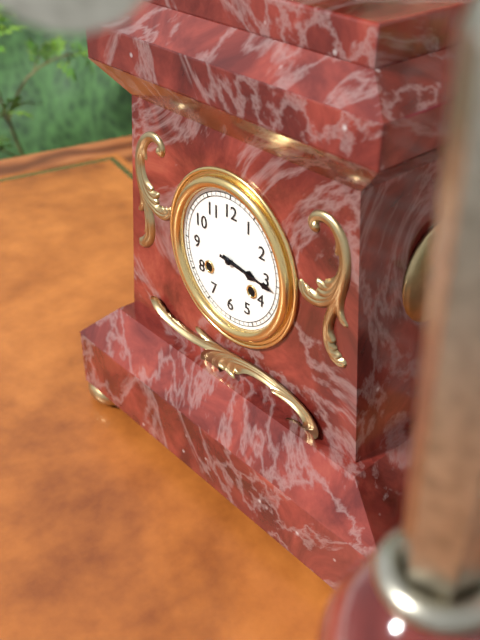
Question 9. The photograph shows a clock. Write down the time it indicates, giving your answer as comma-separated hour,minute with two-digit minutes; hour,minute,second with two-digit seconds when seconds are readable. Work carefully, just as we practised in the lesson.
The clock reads 3,16
